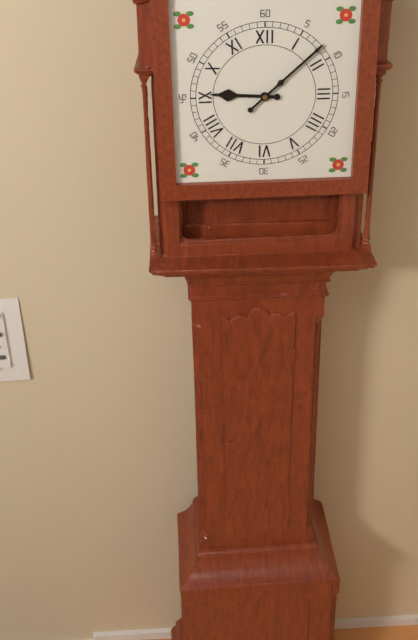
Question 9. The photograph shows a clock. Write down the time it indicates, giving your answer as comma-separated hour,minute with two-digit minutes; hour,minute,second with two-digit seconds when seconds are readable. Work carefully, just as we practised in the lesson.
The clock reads 9,08
